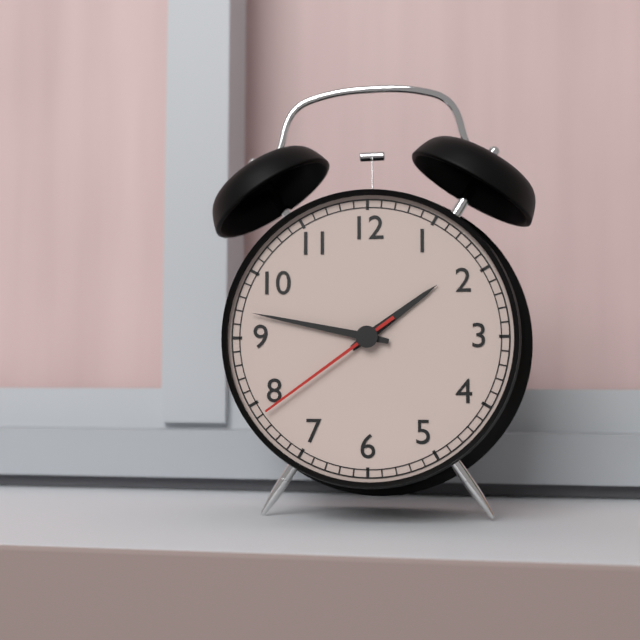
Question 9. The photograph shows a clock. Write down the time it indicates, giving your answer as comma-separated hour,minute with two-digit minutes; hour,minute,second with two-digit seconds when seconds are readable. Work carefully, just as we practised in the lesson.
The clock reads 1,47,39
